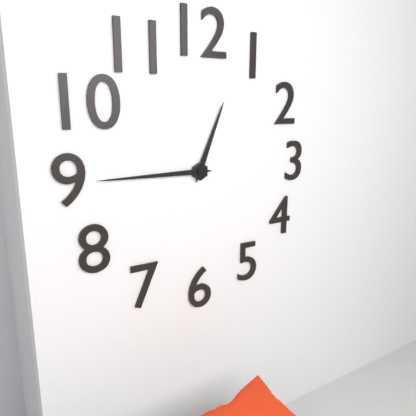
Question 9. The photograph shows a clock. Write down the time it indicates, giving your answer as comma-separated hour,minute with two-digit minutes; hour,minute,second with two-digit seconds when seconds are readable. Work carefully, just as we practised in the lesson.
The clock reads 12,45
